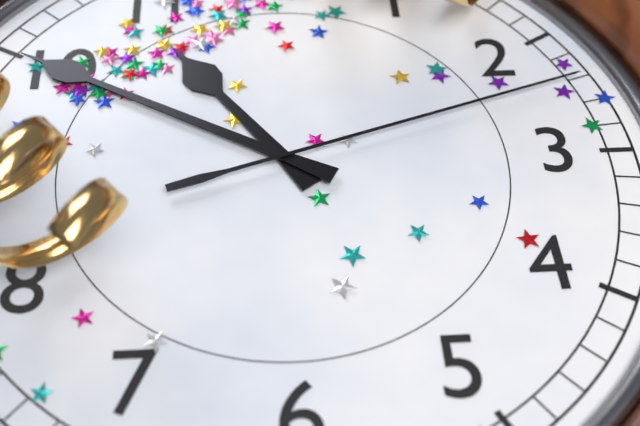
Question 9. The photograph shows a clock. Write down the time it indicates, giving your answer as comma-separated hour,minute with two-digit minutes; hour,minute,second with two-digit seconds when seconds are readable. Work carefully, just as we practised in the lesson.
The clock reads 10,50,12
